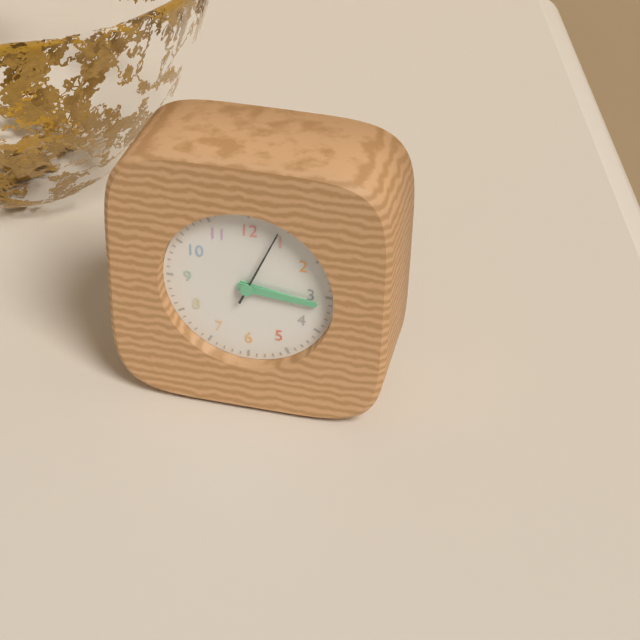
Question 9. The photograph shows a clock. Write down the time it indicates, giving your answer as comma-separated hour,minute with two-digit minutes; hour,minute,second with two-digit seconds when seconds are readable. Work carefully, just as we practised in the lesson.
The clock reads 3,16,04
